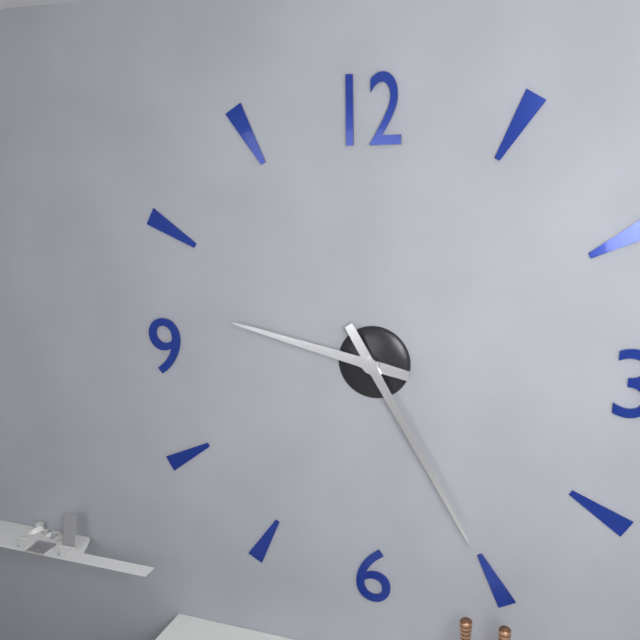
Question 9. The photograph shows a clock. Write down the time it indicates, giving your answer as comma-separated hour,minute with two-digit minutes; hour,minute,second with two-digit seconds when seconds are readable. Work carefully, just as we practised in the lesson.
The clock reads 9,25
